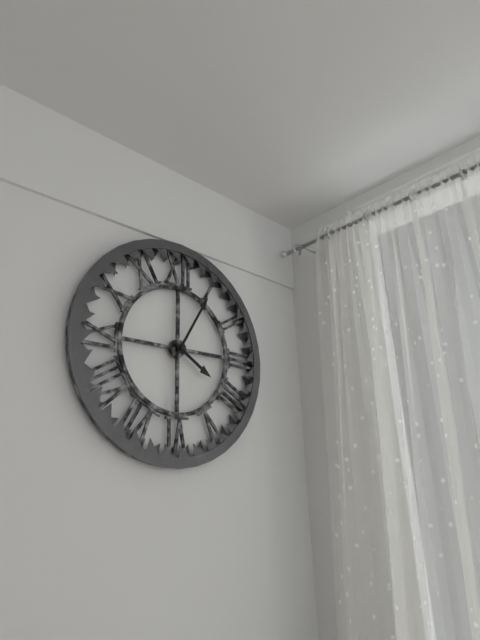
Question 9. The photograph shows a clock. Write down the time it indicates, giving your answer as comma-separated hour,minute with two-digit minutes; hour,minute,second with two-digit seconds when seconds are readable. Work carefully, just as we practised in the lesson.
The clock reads 4,05
